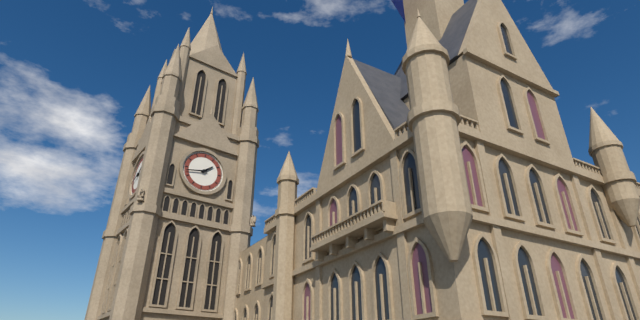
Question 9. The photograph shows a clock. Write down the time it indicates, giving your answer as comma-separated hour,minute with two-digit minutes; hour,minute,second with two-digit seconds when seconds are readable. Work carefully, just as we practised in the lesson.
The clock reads 1,43
